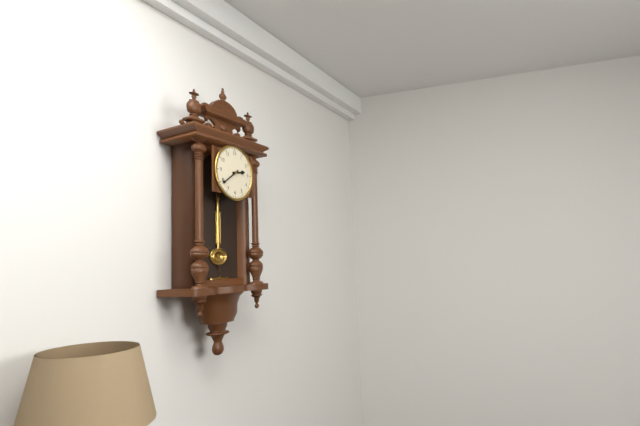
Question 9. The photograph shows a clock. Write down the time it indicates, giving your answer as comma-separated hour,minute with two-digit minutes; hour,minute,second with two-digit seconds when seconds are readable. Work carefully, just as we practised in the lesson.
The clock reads 2,39
